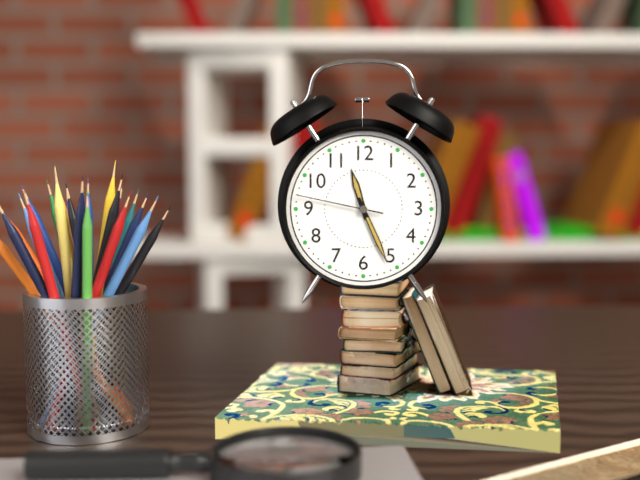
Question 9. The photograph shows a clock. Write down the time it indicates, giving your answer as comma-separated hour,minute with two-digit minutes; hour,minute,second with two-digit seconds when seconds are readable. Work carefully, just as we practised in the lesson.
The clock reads 11,26,47
